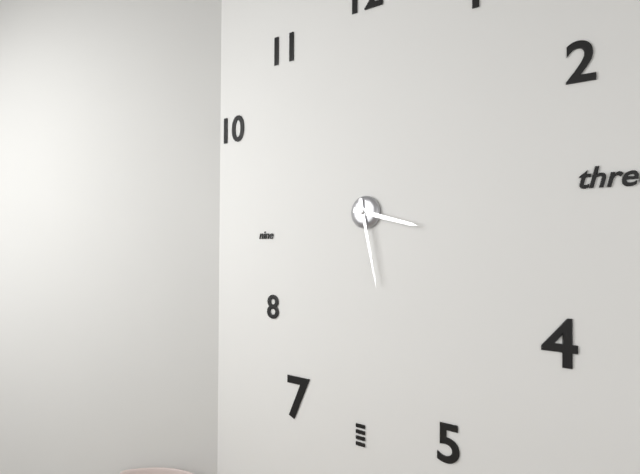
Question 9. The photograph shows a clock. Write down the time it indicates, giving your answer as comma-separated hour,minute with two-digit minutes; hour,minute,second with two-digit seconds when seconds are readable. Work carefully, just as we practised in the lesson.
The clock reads 3,28
